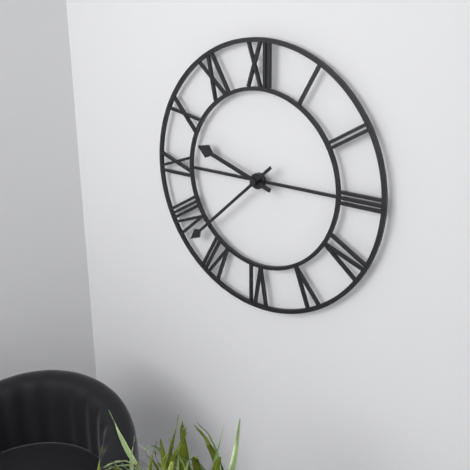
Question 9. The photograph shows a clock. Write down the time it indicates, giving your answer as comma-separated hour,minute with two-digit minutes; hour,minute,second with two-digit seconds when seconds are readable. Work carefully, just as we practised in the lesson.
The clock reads 9,38
